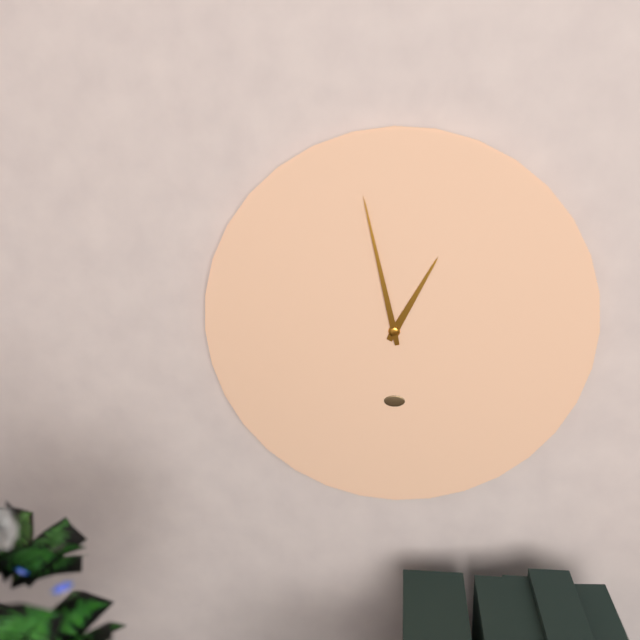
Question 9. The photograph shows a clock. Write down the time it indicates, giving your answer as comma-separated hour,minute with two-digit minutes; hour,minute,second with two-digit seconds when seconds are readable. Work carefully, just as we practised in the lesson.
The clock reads 12,58
